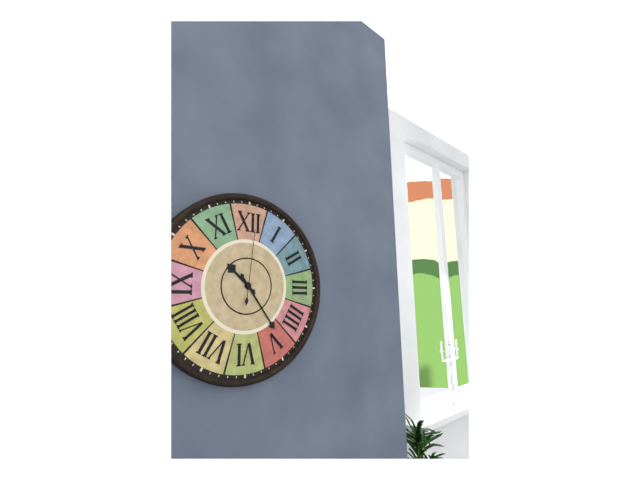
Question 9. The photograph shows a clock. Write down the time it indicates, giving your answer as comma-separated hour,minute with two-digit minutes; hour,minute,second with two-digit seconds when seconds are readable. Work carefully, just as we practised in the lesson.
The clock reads 10,24,01
